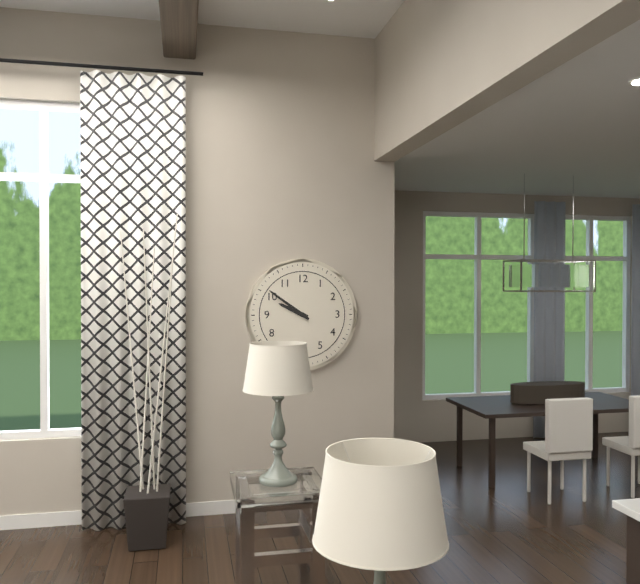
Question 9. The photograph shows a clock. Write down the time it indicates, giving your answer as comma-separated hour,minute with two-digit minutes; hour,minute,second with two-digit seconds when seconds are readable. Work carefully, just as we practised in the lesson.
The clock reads 9,51
